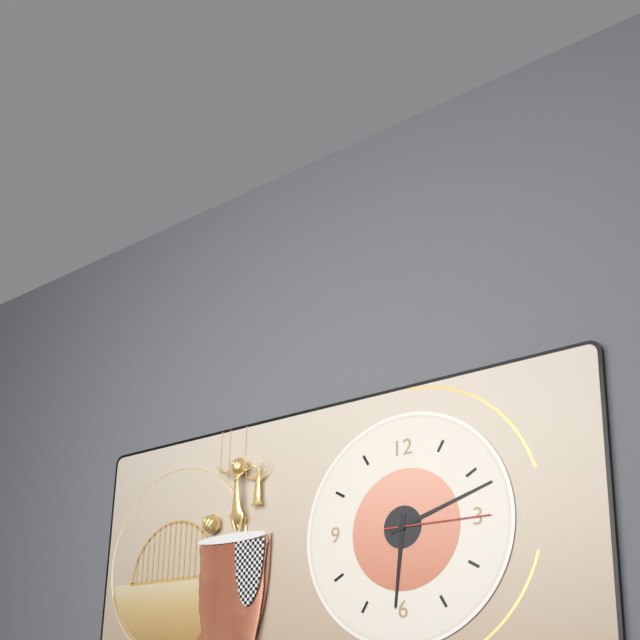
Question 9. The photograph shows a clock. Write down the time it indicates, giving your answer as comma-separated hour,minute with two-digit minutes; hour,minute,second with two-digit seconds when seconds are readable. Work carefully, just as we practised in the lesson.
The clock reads 6,12,15
